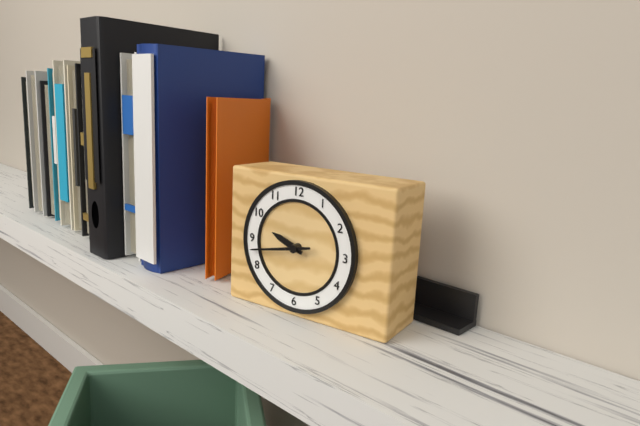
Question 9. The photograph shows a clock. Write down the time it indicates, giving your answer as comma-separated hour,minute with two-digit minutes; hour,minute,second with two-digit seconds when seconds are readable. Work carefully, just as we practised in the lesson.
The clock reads 9,43
